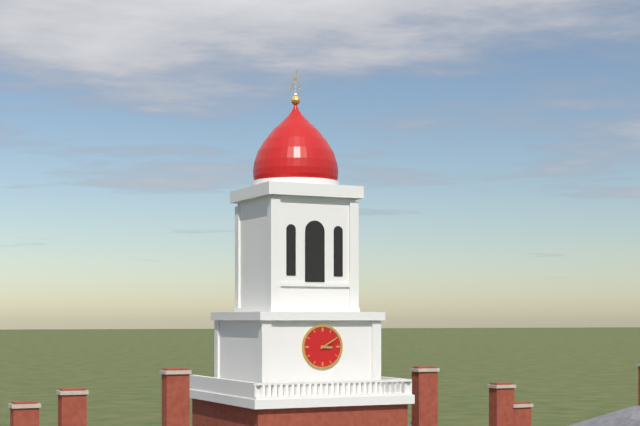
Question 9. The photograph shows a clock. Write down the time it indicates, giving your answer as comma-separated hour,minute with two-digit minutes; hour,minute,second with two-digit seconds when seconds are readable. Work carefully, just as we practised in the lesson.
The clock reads 3,10
